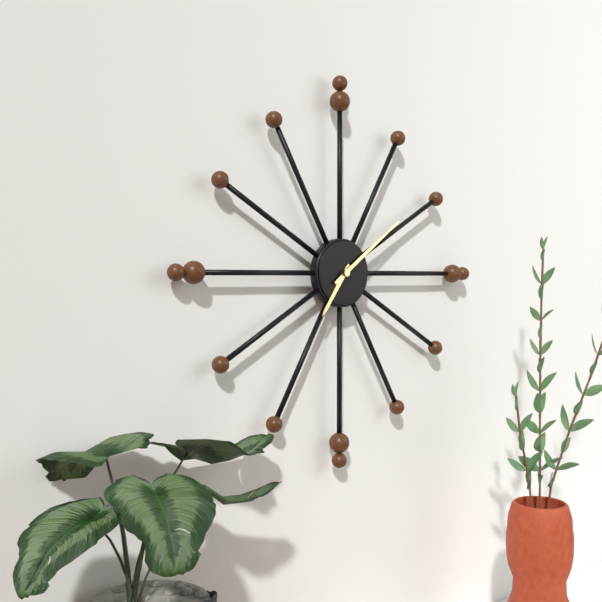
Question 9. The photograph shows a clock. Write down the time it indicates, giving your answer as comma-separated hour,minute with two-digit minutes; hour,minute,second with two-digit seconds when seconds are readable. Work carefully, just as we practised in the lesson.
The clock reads 7,09
